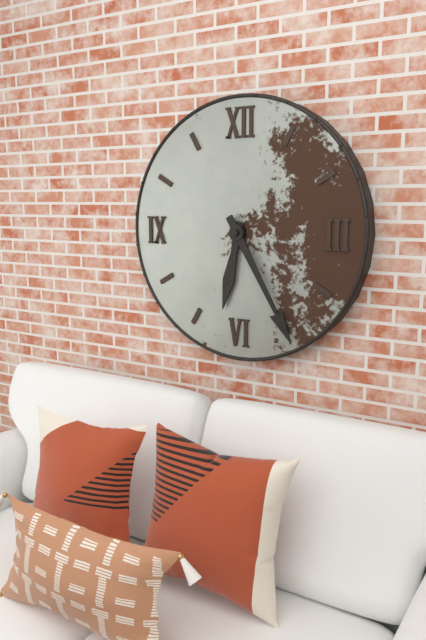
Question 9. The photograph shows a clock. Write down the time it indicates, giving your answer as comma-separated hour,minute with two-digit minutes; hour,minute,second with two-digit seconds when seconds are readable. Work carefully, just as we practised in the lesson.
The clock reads 6,25
